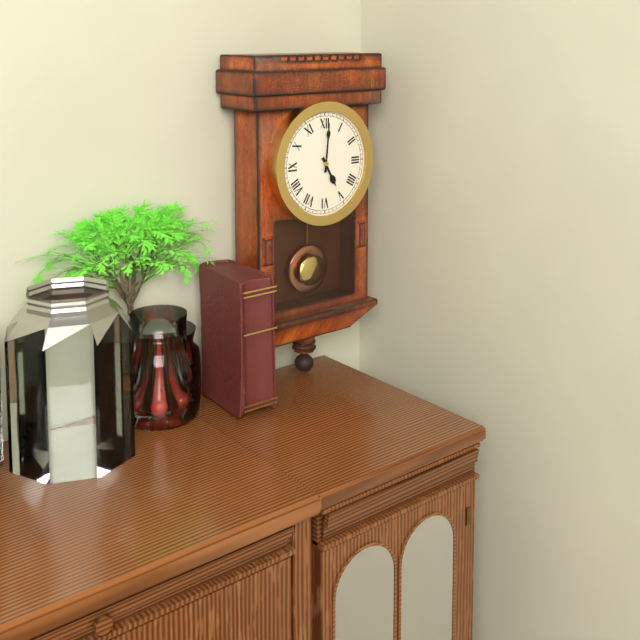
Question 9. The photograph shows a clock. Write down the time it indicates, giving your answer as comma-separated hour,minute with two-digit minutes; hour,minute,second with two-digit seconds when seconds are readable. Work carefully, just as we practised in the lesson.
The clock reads 5,01
